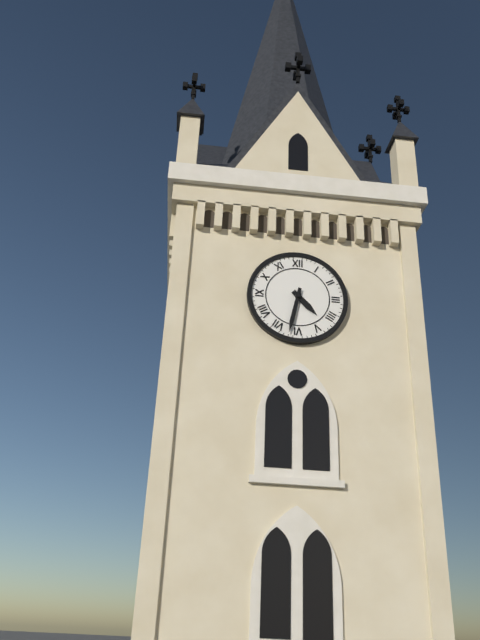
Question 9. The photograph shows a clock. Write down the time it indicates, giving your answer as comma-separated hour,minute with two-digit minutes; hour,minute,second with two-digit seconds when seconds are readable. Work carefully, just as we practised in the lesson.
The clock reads 4,32
